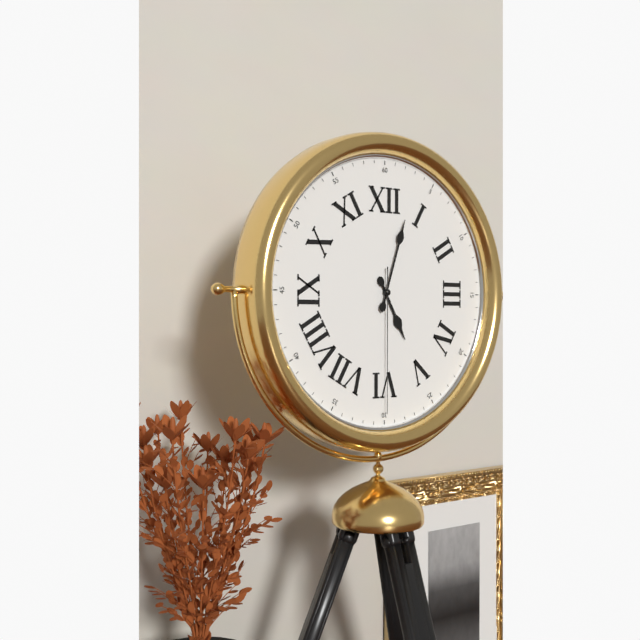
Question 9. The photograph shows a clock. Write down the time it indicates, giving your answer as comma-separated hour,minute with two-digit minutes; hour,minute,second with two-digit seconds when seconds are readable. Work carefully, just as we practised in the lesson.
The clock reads 5,03,30
